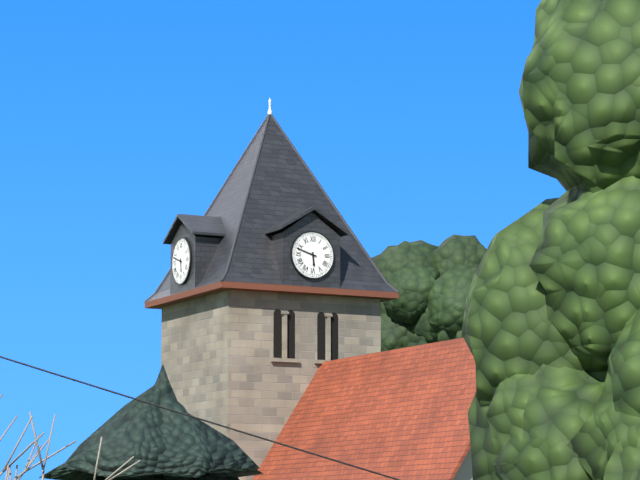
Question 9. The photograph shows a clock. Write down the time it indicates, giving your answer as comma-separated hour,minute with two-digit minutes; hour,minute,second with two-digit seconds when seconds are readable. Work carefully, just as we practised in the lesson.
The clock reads 5,48
